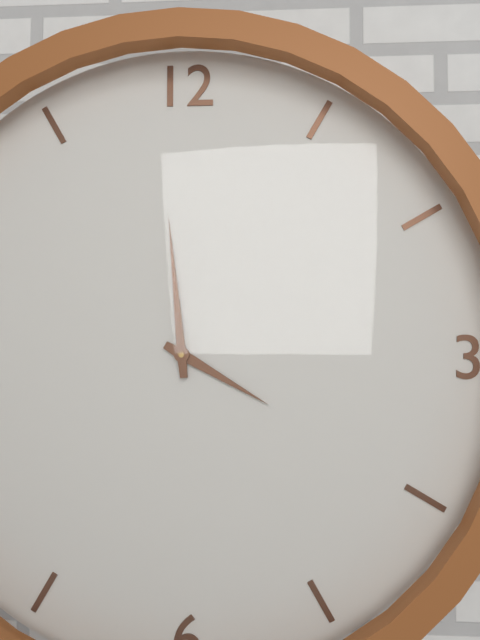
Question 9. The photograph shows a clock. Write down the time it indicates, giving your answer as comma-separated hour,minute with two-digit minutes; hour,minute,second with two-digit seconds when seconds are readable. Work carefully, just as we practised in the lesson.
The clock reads 3,59
